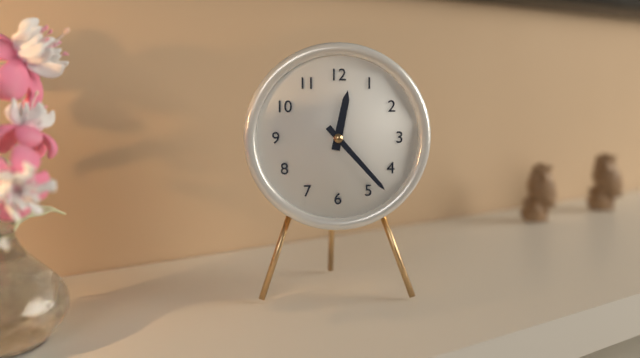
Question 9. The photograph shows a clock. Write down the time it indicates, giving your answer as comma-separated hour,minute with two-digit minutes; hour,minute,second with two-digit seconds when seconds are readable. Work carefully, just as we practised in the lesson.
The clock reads 12,23
